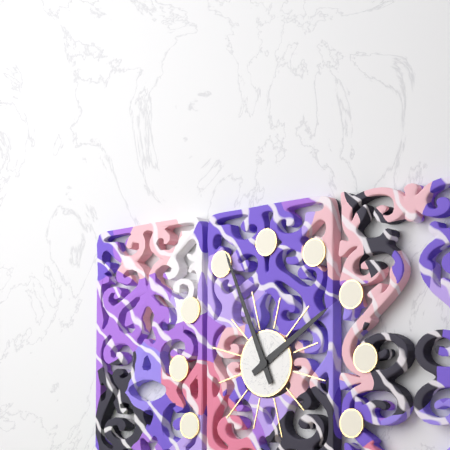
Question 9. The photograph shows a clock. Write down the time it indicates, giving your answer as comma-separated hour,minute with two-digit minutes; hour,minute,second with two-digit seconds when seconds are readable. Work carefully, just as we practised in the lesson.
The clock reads 1,56
